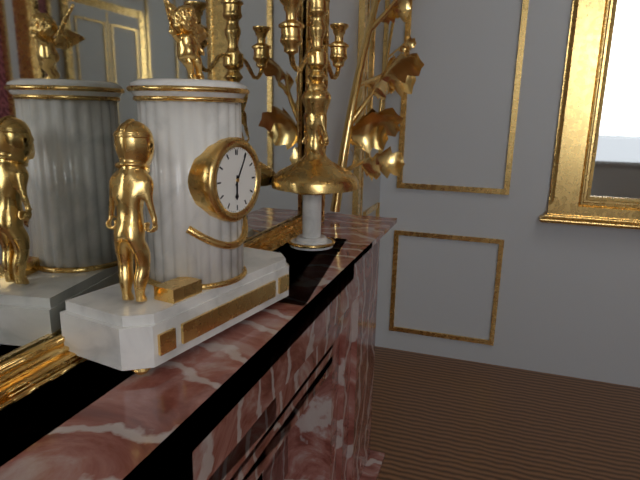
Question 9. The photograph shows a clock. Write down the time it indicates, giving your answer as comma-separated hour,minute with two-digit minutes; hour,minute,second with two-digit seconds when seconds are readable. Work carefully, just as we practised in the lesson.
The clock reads 6,05
